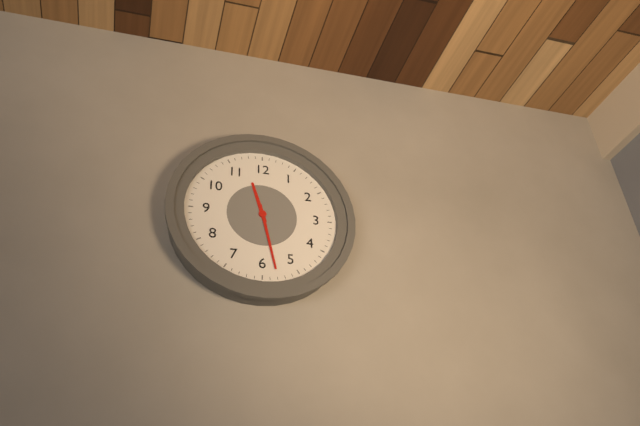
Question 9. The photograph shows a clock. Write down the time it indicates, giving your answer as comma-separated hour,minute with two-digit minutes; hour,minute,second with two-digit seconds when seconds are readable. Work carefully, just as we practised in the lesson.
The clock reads 11,28
